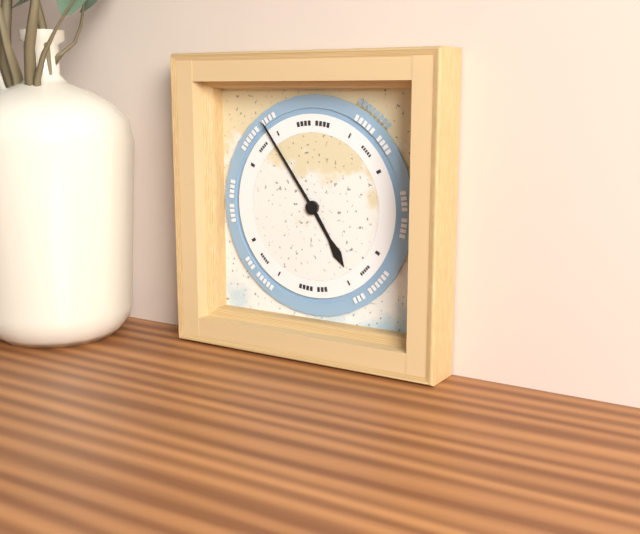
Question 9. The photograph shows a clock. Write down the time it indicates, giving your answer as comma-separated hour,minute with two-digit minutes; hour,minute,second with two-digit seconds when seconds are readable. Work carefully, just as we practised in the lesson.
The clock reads 4,54
